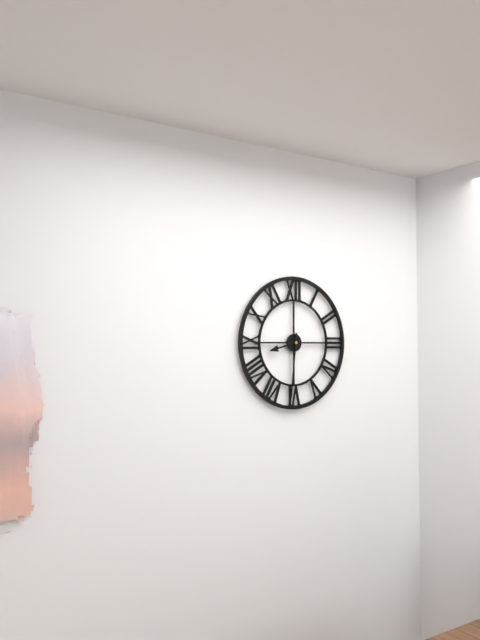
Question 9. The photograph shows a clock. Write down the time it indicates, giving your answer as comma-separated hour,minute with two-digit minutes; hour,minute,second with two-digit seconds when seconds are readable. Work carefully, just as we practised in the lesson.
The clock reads 8,31
